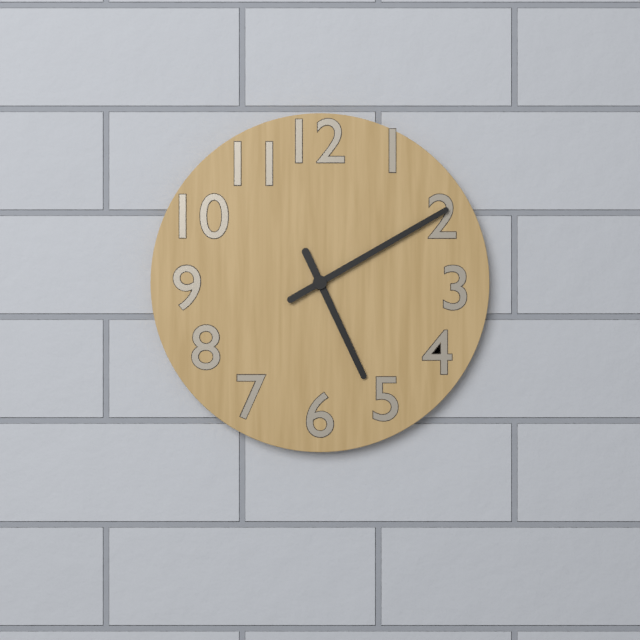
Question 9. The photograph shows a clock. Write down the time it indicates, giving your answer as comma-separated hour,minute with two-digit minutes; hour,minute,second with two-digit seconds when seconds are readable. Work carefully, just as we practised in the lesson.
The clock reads 5,10
